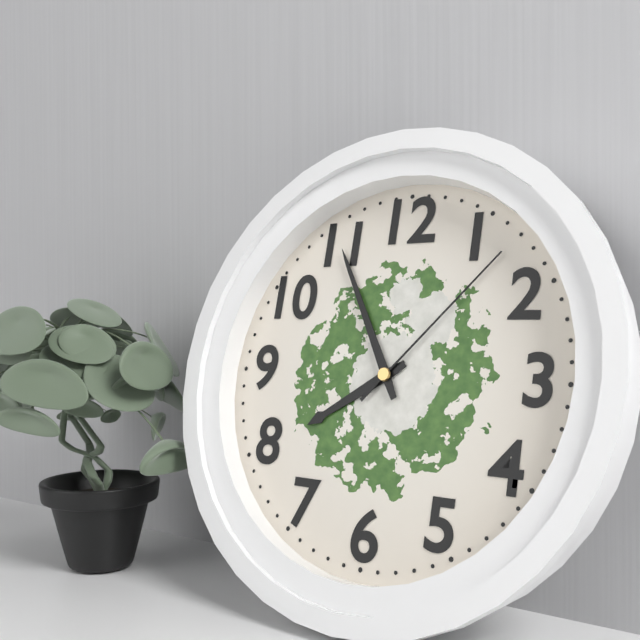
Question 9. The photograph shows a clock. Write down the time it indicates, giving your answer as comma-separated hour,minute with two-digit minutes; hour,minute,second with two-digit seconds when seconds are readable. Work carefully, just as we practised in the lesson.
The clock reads 7,55,07
